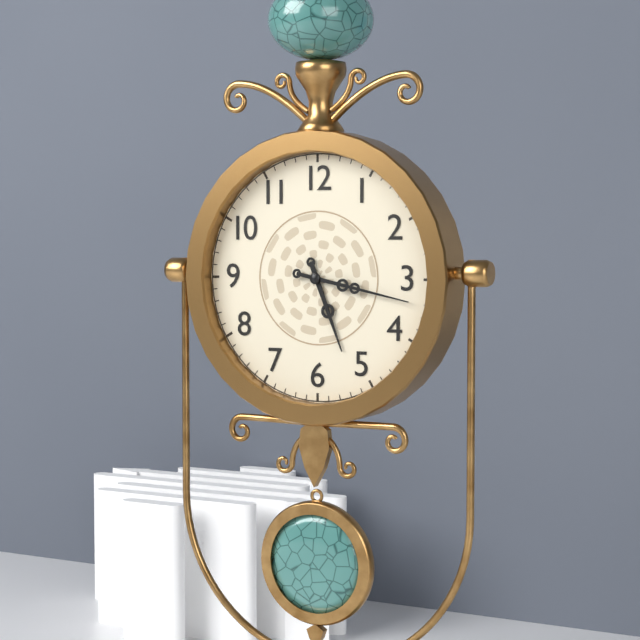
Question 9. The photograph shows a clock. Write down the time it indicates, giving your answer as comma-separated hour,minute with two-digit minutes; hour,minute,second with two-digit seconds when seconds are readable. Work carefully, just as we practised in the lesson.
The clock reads 5,17
